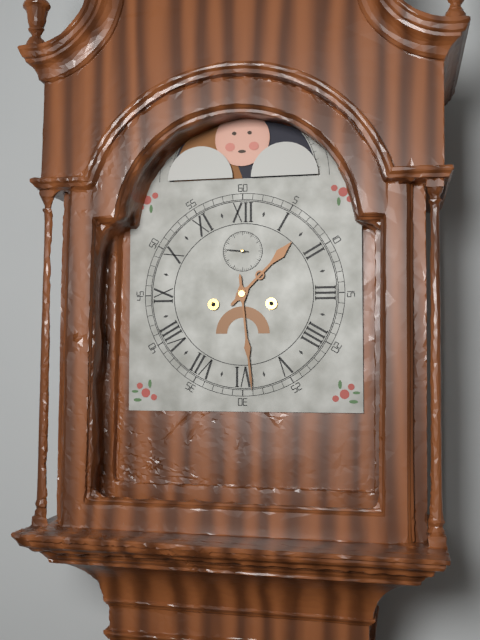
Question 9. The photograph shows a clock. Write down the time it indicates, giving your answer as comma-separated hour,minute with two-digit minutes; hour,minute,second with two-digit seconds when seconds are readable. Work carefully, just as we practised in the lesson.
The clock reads 1,29
